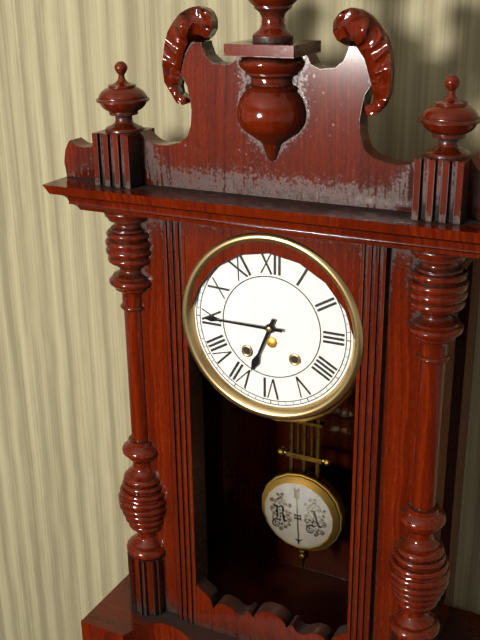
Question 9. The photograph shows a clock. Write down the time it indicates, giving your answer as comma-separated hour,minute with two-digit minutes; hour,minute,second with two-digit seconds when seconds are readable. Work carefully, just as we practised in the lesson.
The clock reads 6,45
